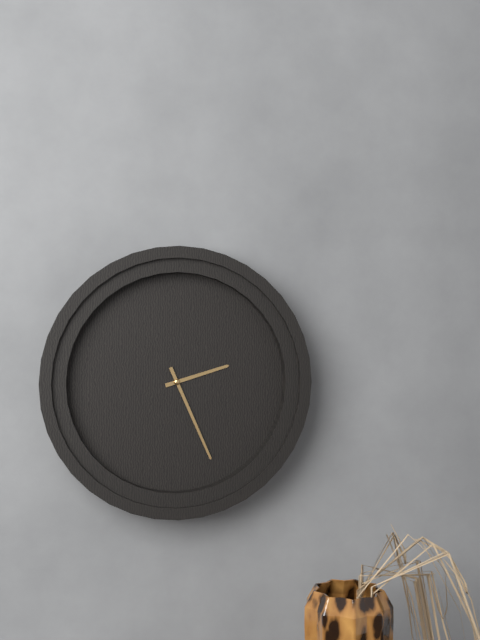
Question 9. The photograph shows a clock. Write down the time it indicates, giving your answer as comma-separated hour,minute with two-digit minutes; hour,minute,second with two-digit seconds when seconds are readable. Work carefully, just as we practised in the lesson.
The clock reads 2,26
